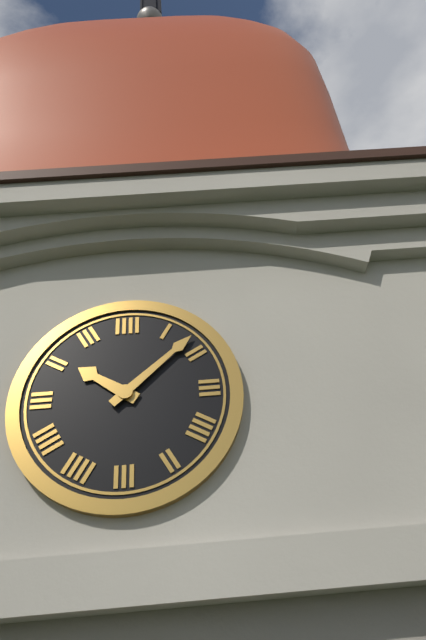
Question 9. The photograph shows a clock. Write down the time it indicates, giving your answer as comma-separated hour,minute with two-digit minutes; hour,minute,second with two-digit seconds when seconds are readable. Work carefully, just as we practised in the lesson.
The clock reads 10,08
